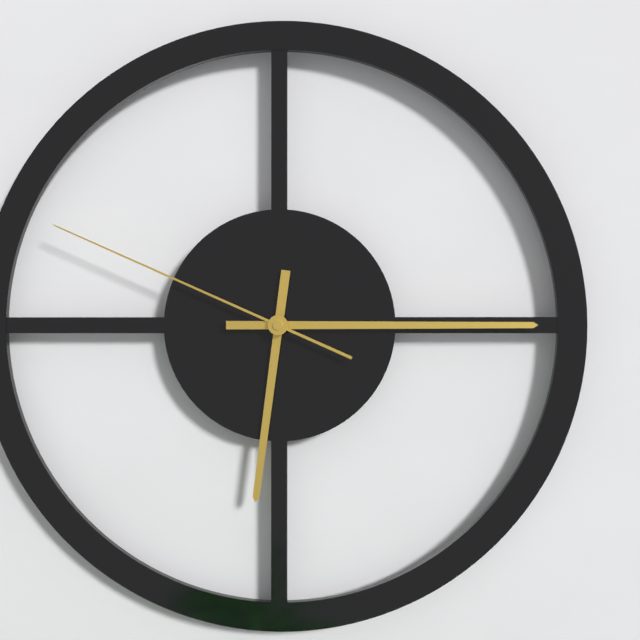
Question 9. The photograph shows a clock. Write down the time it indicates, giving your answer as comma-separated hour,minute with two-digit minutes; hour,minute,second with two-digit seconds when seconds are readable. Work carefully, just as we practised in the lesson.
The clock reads 6,15,49
